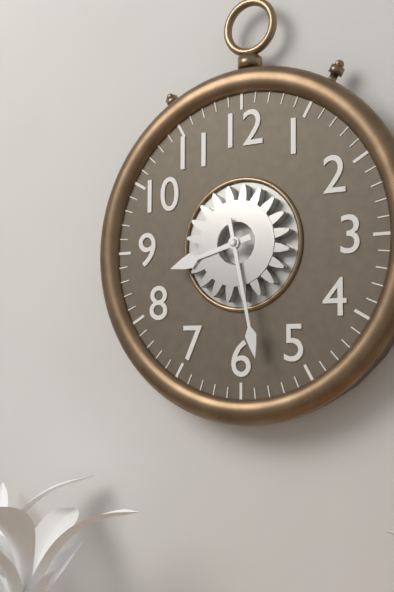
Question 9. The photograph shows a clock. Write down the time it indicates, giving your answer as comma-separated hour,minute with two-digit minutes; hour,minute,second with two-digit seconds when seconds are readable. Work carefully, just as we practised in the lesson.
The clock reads 8,28
